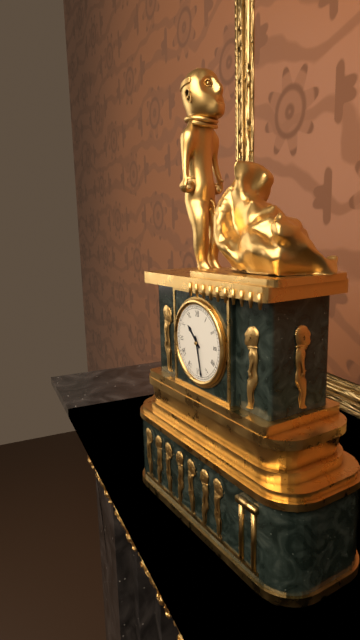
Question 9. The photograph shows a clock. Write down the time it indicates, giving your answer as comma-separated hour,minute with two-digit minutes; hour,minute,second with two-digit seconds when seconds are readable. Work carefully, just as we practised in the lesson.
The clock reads 10,28
